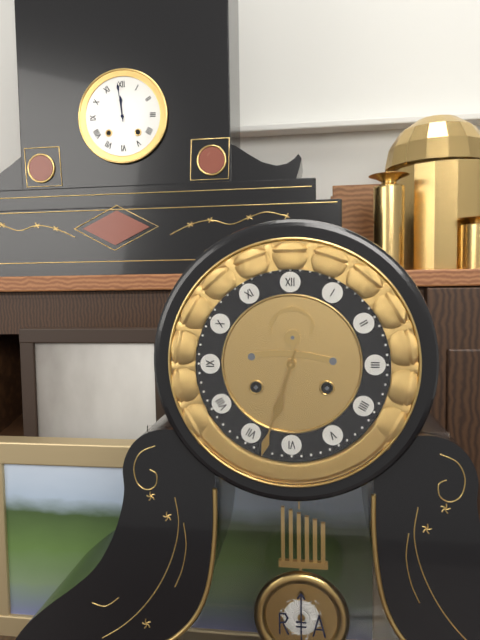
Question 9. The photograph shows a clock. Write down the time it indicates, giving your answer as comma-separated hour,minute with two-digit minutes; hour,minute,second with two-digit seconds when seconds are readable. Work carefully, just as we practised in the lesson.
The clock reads 6,33
